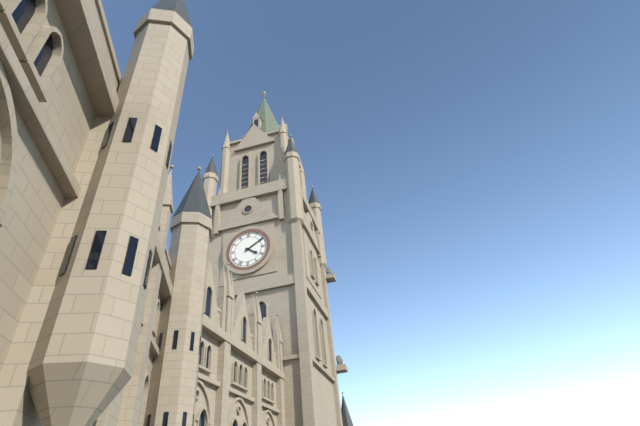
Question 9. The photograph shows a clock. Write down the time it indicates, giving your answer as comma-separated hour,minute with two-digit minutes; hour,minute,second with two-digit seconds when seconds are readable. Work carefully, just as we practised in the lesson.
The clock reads 4,10
